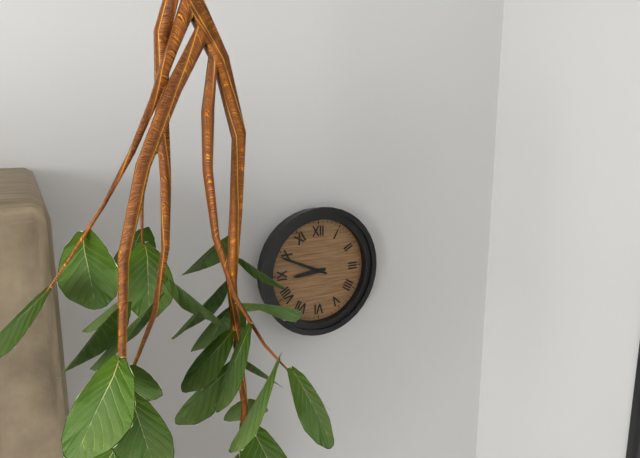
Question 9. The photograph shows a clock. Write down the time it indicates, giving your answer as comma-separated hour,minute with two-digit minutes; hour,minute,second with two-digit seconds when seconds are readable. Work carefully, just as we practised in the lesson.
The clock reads 8,49
